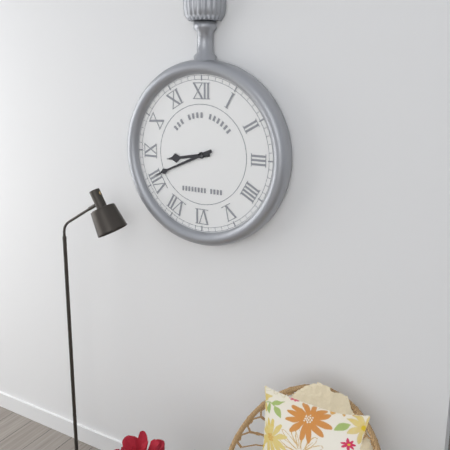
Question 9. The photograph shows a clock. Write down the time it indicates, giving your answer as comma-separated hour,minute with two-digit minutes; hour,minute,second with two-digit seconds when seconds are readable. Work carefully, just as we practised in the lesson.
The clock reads 8,41
